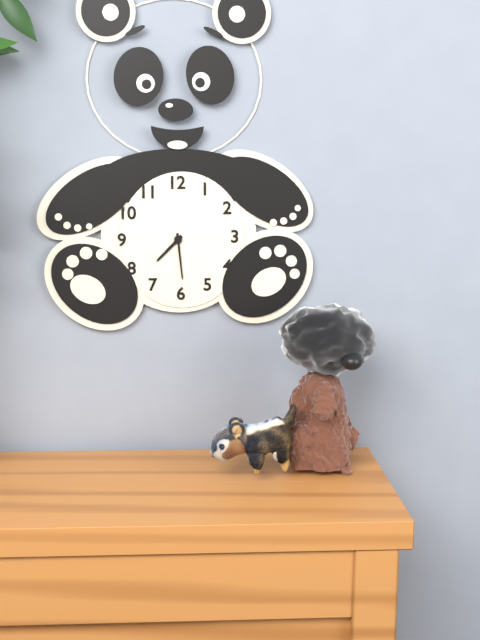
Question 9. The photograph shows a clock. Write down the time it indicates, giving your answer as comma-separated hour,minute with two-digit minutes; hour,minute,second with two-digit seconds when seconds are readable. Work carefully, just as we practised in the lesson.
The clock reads 7,29
